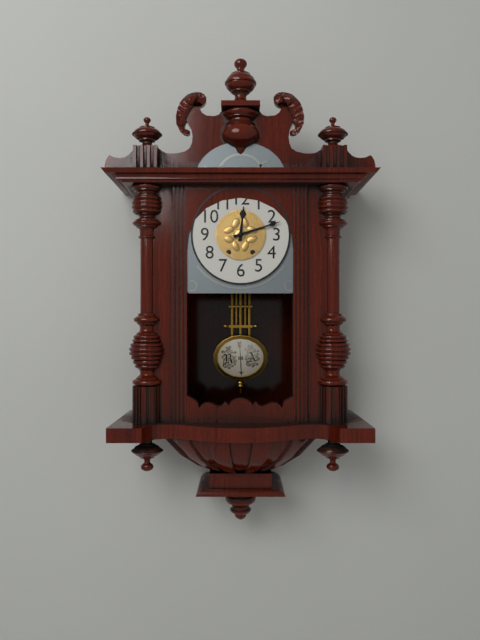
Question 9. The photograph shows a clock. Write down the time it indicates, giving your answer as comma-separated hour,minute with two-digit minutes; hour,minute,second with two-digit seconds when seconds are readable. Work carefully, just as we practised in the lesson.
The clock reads 12,12
